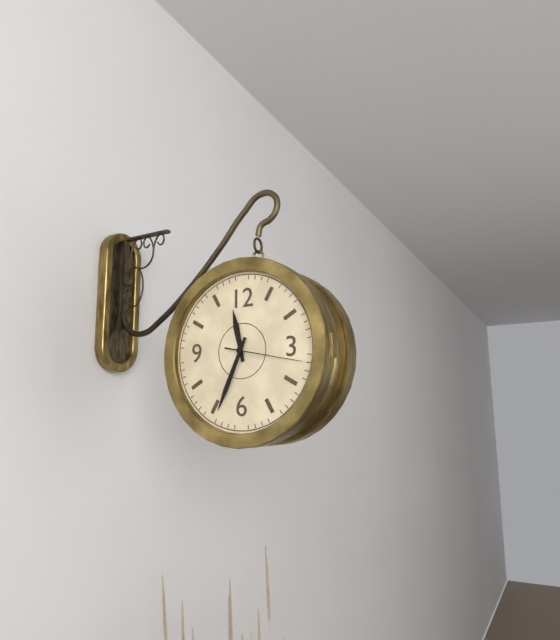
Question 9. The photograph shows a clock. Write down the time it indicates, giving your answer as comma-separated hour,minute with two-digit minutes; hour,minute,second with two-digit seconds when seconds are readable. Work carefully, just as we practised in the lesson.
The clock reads 11,34,17
